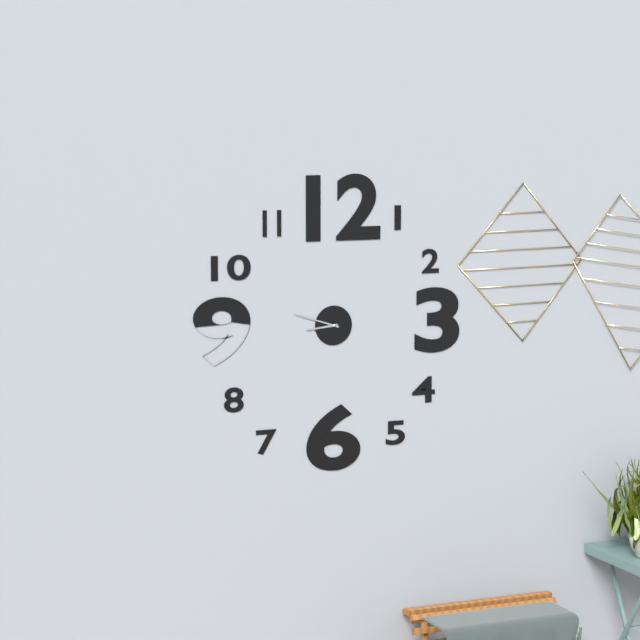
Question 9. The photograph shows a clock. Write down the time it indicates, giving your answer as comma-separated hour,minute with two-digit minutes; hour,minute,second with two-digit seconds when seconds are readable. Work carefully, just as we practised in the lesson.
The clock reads 8,48
